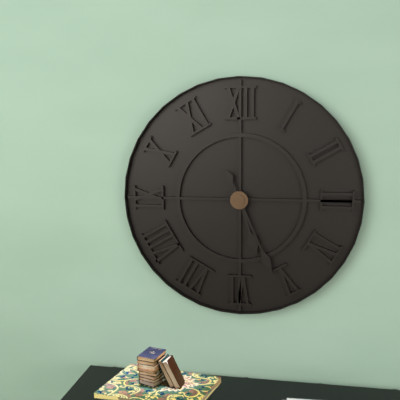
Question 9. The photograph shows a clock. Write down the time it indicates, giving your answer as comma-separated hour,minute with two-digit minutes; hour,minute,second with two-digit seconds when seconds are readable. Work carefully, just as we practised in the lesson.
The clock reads 5,26
